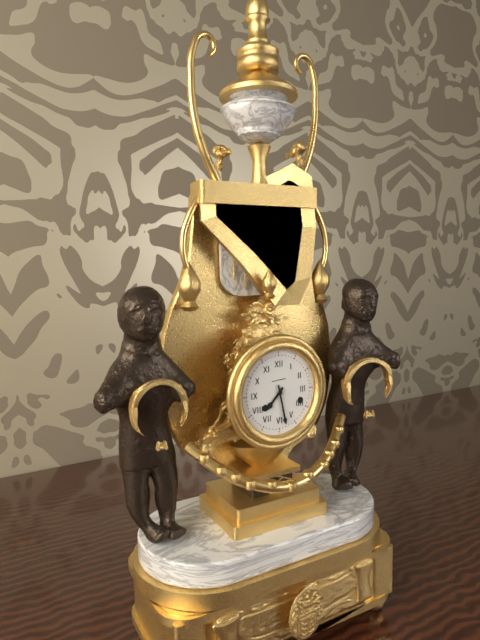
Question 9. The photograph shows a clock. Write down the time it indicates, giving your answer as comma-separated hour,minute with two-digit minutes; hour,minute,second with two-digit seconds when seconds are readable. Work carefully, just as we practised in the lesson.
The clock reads 7,28
